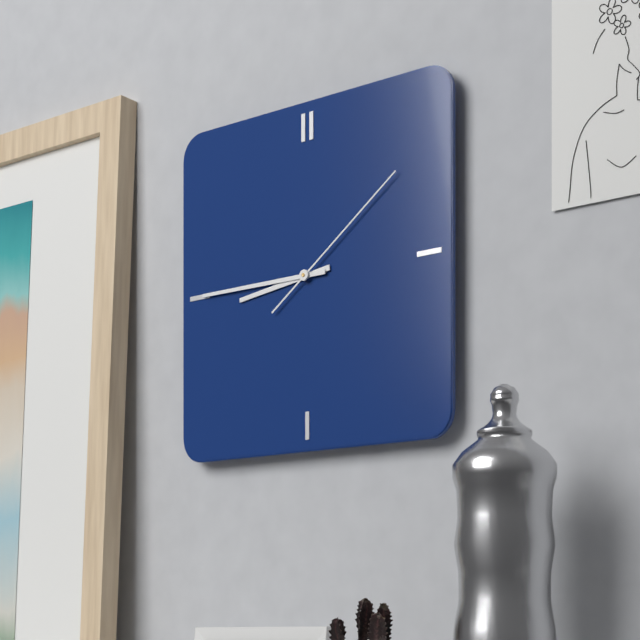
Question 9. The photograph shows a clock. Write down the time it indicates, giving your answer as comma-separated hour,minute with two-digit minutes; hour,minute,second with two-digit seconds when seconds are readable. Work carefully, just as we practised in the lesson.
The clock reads 8,45,09
